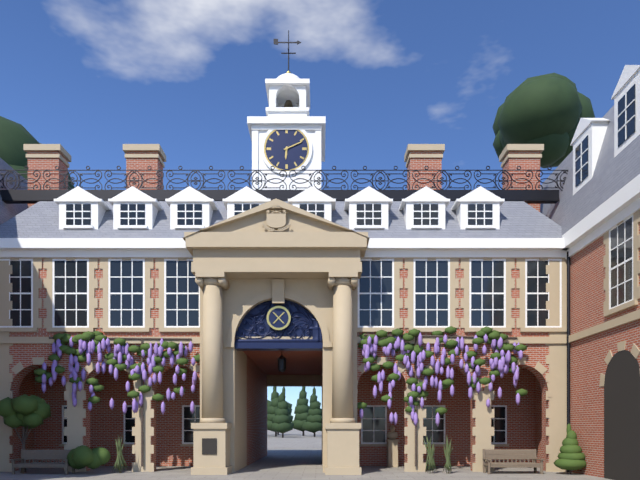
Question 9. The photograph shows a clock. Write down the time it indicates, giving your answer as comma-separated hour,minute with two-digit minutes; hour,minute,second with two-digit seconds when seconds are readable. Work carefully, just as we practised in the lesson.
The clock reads 6,11
